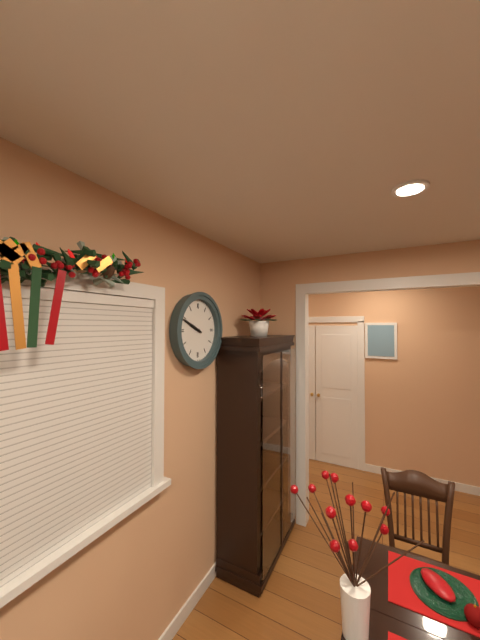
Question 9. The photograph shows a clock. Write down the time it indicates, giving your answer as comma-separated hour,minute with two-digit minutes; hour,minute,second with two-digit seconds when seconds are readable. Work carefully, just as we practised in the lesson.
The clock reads 9,49
